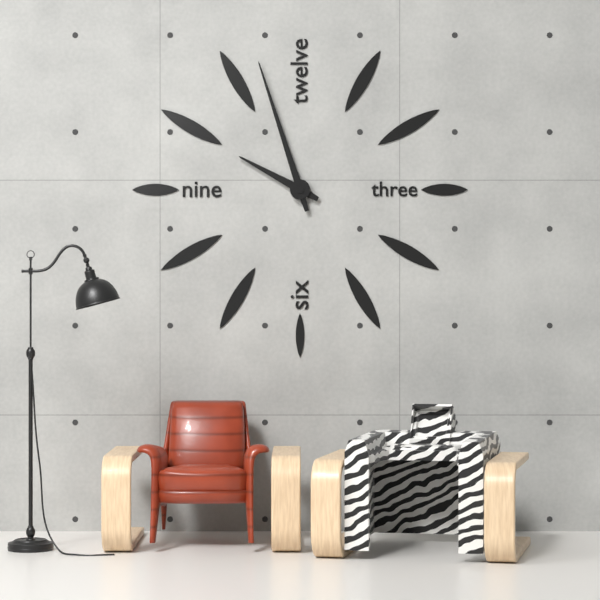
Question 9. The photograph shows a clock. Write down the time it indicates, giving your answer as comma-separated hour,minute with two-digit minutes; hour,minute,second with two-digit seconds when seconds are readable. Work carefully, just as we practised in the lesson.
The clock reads 9,57
